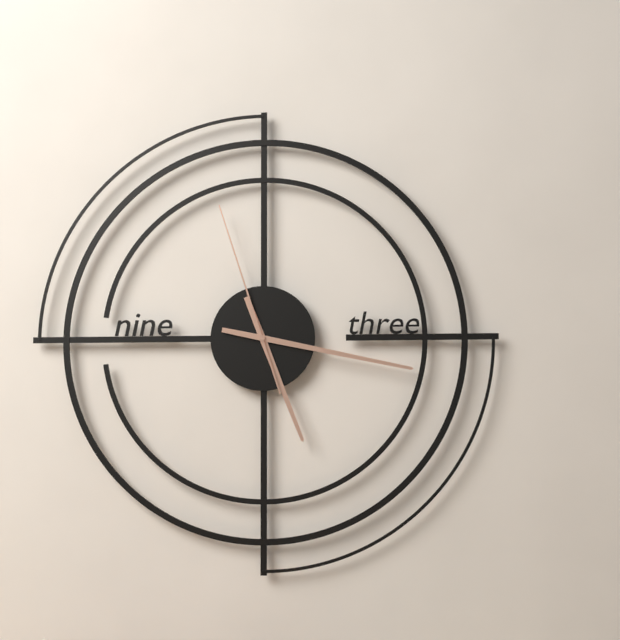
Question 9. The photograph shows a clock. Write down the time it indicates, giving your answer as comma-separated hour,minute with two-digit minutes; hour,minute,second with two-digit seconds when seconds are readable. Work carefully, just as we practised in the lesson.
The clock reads 5,17,57
